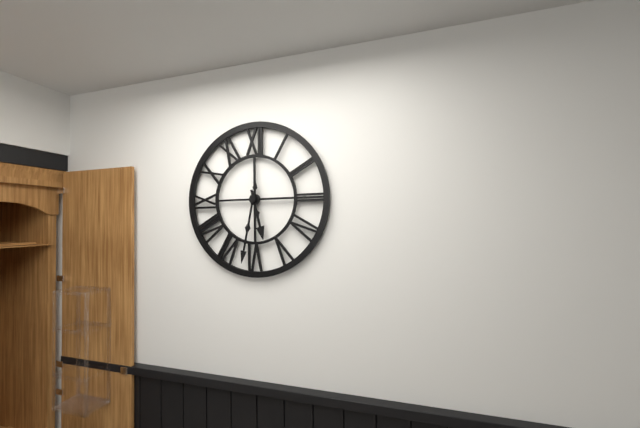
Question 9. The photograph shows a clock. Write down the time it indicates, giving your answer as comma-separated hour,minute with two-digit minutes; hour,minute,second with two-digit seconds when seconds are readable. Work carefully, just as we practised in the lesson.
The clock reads 5,32
